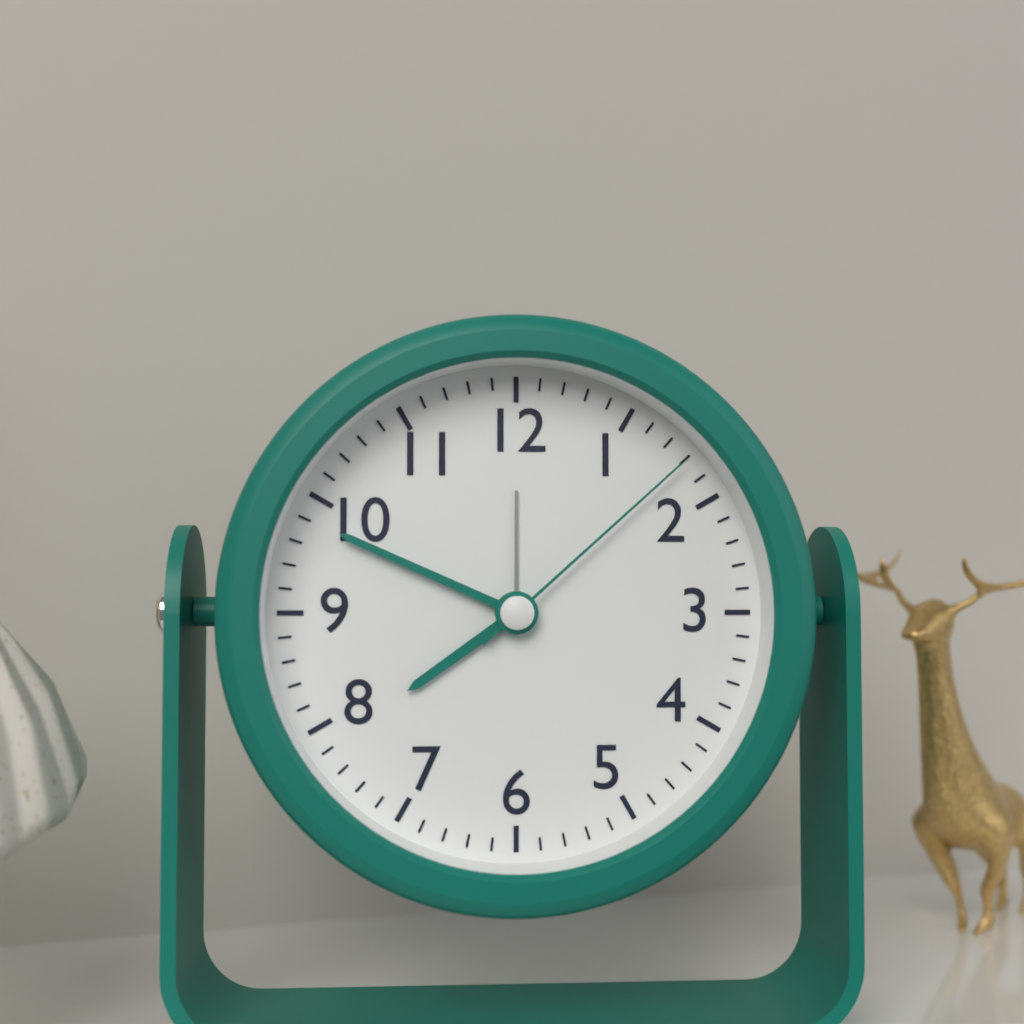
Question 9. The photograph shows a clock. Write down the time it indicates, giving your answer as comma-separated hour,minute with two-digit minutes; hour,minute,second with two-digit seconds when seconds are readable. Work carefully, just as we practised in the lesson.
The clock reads 7,49,08
